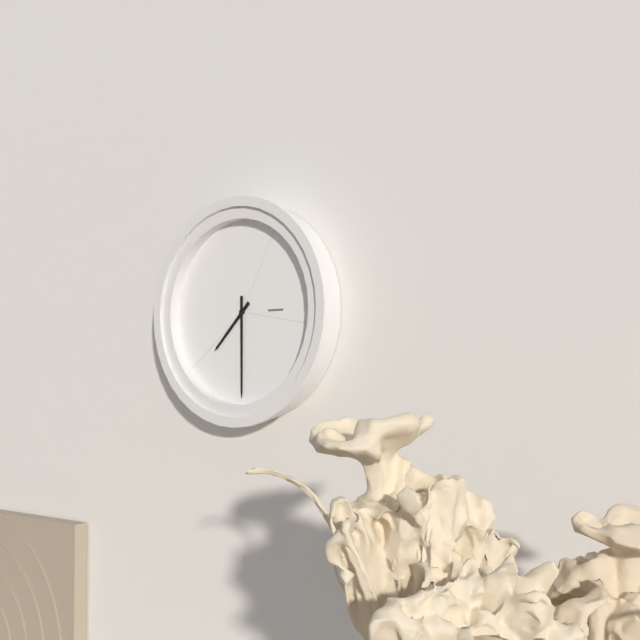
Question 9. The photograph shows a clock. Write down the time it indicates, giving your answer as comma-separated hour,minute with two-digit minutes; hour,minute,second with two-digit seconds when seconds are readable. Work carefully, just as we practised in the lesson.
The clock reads 7,30
